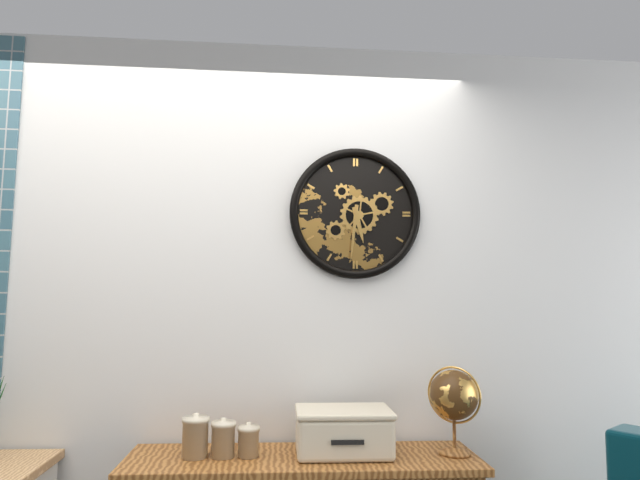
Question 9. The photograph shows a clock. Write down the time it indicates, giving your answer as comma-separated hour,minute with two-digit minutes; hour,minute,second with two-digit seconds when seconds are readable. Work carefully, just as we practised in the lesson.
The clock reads 5,31
